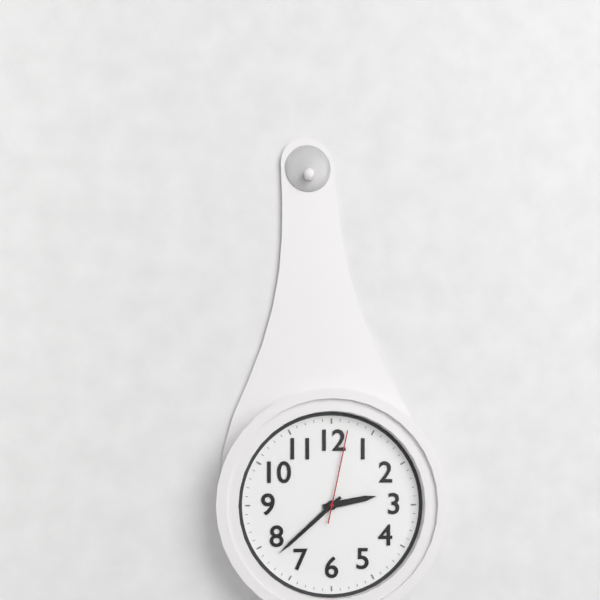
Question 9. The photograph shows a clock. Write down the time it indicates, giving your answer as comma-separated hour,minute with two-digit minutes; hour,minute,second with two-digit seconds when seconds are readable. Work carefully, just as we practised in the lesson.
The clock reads 2,38,02
